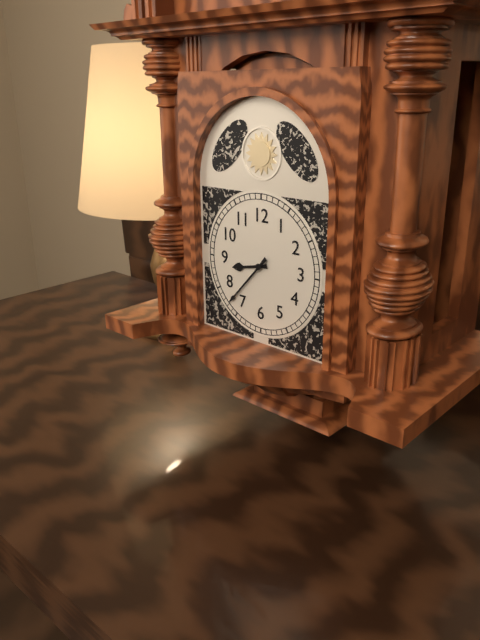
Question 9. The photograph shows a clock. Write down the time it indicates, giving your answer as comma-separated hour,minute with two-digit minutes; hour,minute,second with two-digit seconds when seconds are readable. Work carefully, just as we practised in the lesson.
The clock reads 8,37
